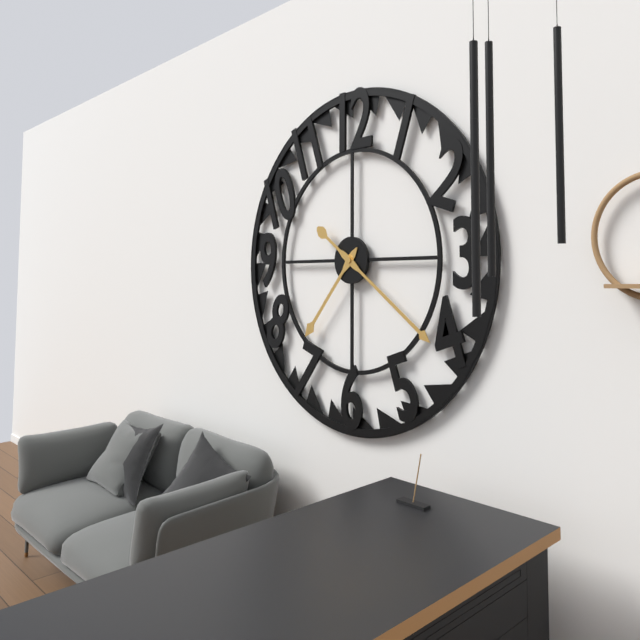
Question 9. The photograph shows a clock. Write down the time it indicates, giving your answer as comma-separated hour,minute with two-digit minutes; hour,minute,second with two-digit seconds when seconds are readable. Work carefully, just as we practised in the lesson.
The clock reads 7,21
